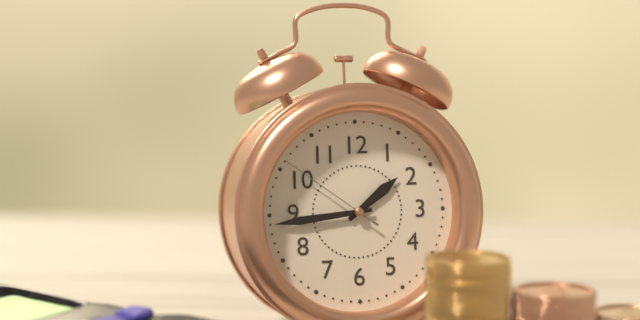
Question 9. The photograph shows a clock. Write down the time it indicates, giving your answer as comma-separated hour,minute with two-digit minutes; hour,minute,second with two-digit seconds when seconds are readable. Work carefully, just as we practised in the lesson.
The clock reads 1,44,51
